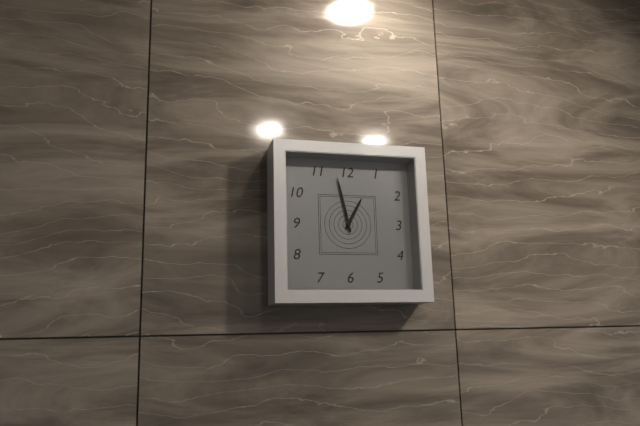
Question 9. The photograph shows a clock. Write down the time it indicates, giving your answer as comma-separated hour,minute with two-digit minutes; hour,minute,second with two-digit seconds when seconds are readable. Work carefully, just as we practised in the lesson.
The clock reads 12,58
